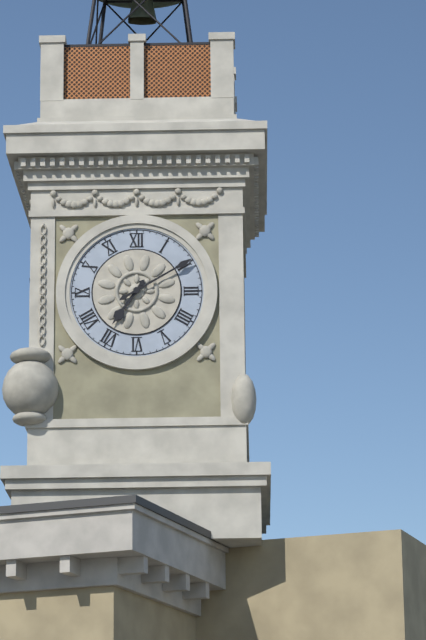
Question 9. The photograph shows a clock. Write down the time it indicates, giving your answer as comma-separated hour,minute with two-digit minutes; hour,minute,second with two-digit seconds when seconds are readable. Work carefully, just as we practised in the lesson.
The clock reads 7,10
